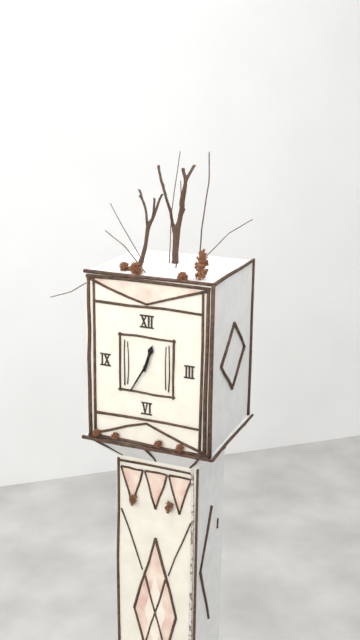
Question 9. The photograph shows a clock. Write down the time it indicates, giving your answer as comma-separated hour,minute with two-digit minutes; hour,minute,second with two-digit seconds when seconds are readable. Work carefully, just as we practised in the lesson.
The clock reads 12,35
